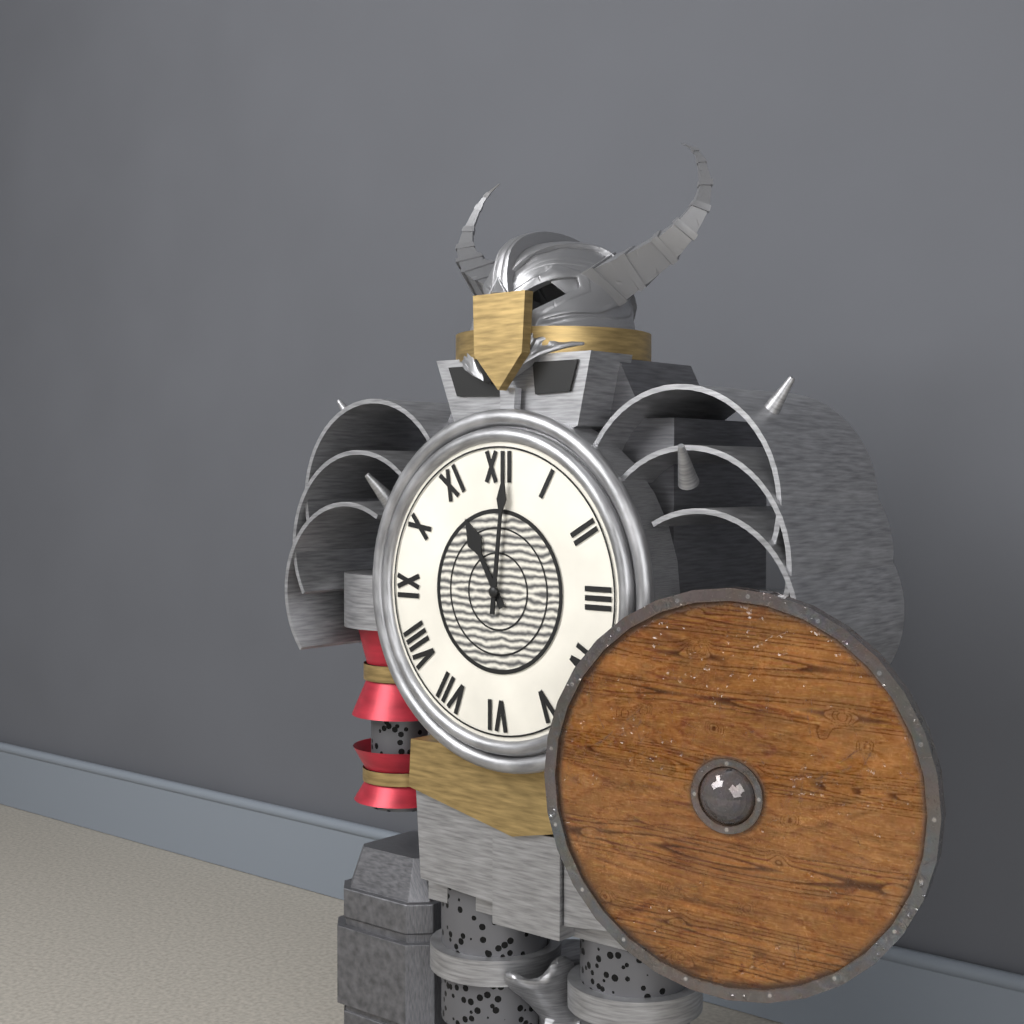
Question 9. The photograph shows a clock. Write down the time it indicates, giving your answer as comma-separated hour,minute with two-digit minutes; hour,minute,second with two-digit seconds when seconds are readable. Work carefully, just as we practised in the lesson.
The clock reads 11,01
